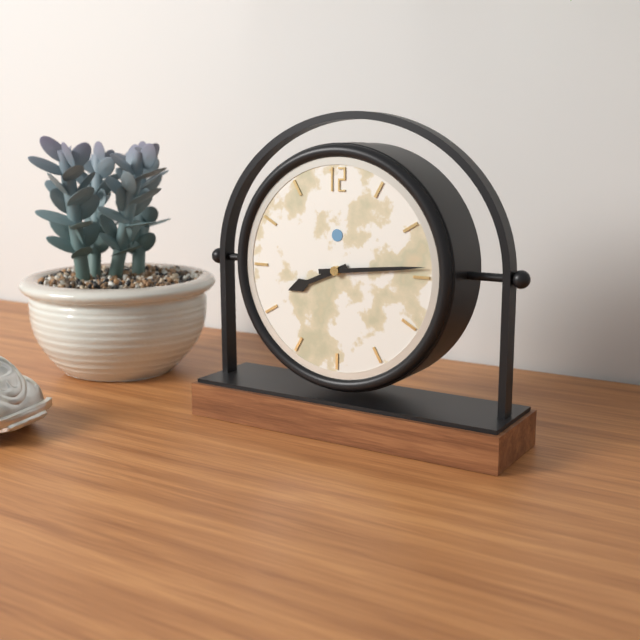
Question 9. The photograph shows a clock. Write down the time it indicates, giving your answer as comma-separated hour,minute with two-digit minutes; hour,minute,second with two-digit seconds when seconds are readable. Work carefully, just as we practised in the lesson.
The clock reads 8,14
